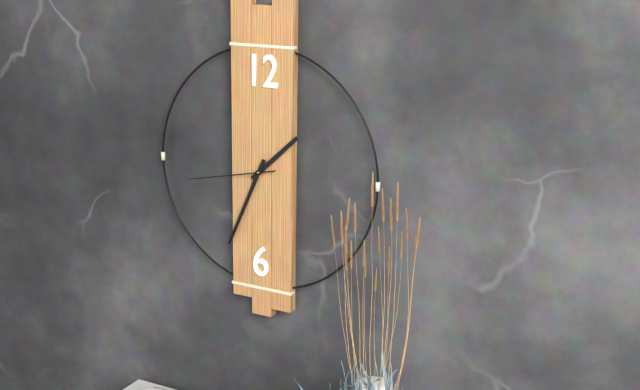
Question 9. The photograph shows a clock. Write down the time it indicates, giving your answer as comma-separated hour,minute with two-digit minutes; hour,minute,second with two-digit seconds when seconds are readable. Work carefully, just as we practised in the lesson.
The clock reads 1,34,43
